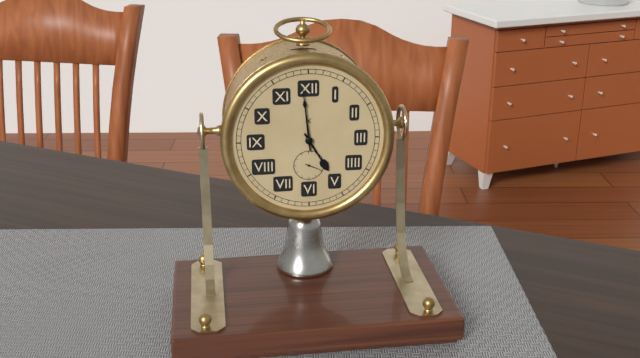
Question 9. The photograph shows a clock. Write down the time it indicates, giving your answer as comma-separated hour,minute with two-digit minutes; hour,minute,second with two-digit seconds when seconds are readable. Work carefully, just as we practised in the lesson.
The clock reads 4,59
